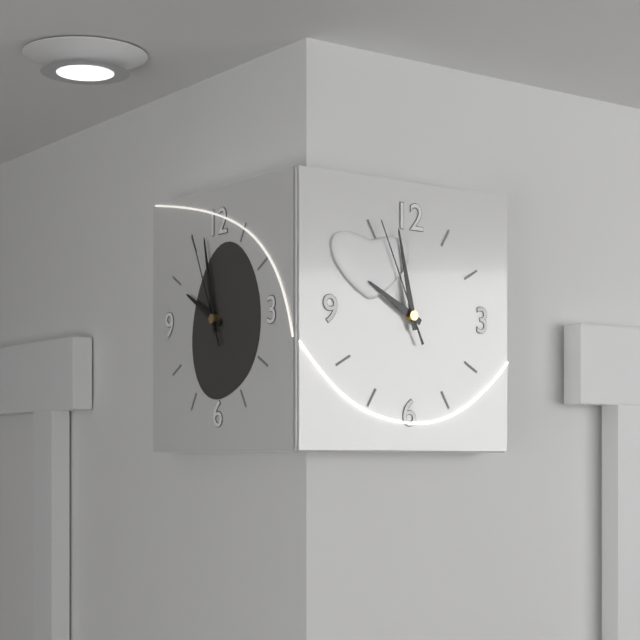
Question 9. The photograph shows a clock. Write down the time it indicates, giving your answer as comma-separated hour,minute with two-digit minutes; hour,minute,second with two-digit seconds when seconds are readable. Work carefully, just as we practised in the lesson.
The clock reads 9,58,56
